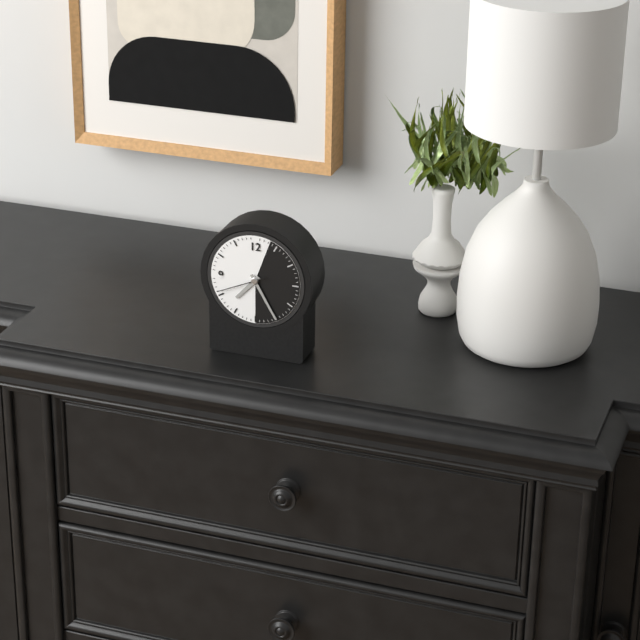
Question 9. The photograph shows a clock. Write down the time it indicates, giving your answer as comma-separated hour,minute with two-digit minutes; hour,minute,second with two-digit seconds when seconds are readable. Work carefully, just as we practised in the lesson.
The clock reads 7,25
